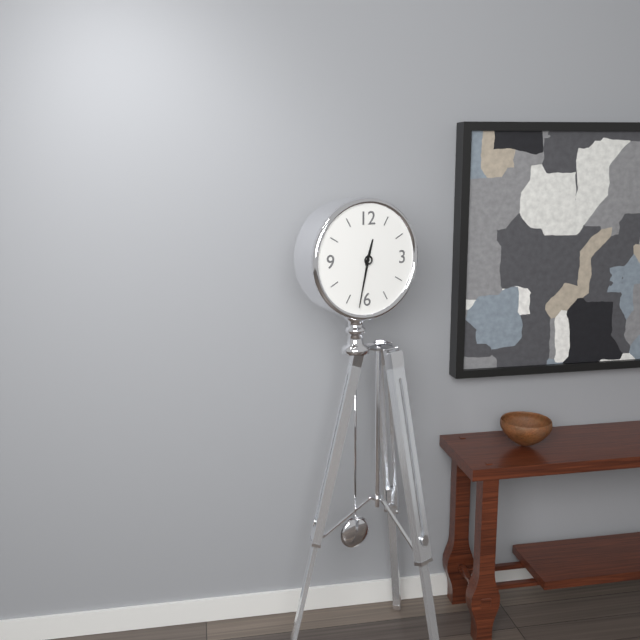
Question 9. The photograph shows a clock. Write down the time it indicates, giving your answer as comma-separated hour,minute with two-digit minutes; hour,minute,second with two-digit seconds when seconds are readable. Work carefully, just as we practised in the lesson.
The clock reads 12,32
